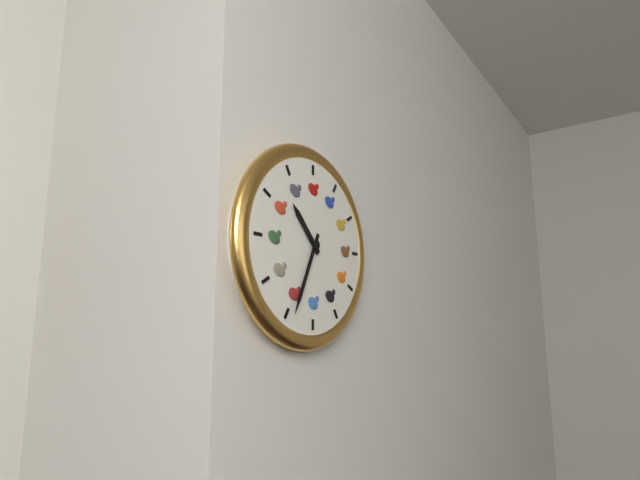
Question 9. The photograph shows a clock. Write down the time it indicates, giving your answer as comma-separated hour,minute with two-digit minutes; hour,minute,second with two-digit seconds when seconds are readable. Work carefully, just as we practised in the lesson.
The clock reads 10,34
